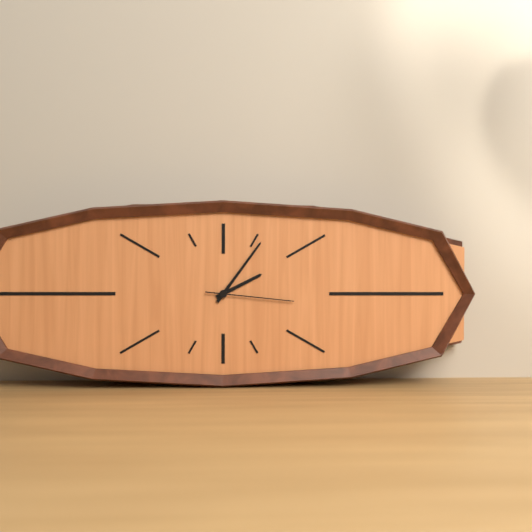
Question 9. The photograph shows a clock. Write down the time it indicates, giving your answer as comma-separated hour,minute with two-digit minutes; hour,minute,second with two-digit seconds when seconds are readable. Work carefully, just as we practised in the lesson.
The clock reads 2,06,16
